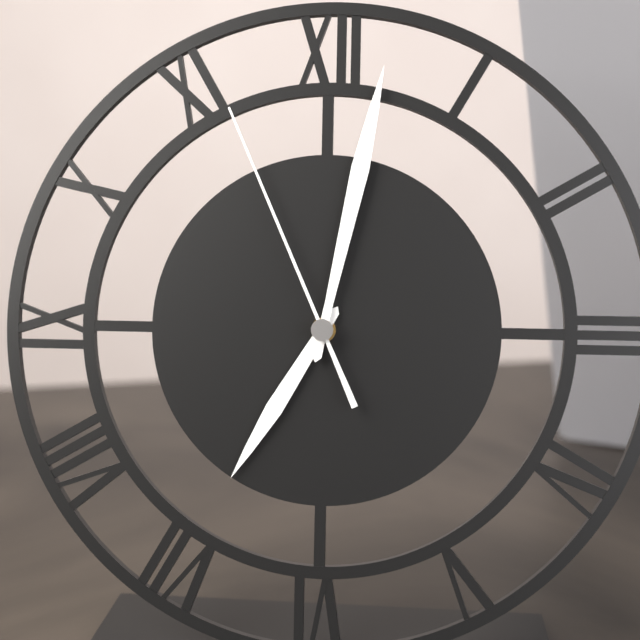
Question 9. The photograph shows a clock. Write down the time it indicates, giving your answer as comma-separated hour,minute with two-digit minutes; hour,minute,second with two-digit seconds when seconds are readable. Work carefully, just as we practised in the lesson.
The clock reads 7,02,56
